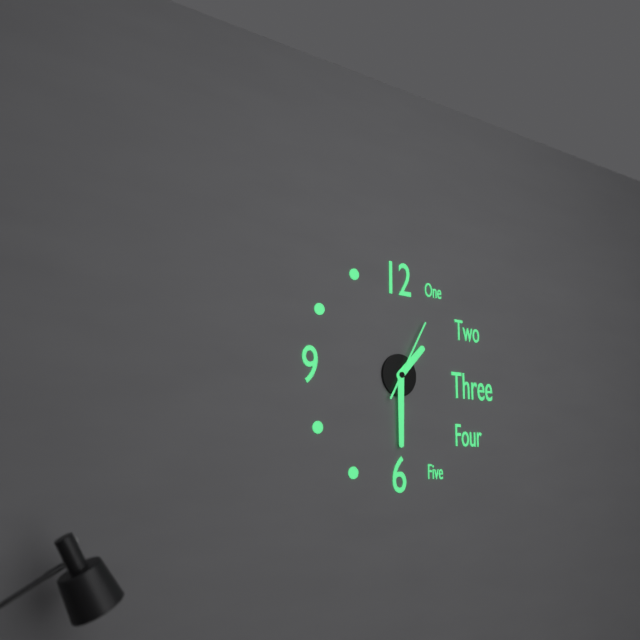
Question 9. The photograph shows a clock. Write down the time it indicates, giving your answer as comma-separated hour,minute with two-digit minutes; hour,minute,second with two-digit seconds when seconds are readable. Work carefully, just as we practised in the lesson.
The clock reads 1,30,05
